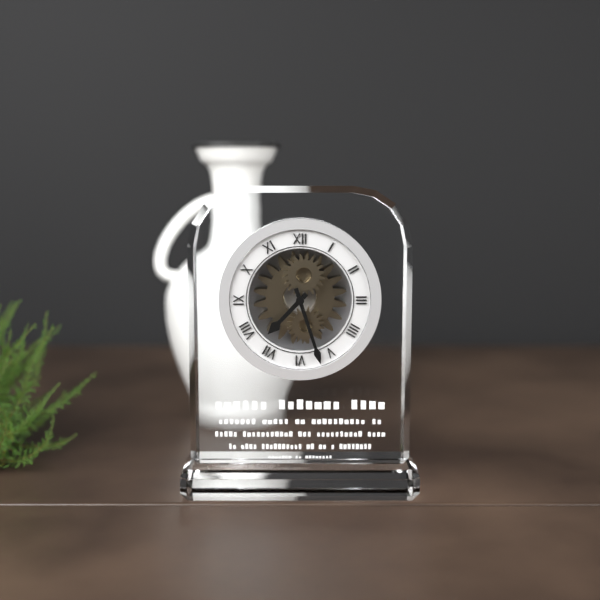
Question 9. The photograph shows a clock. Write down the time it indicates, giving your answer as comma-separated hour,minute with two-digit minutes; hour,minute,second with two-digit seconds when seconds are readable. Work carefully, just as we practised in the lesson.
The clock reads 7,27
